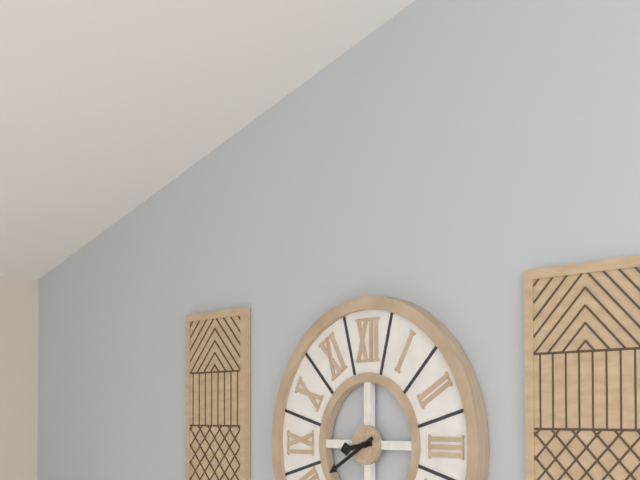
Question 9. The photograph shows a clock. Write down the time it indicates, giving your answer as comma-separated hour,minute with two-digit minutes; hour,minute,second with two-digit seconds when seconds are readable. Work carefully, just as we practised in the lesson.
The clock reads 8,40
